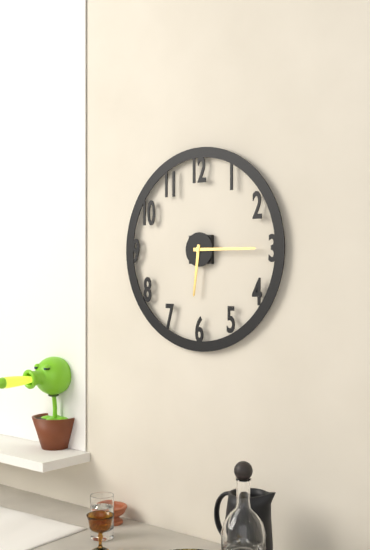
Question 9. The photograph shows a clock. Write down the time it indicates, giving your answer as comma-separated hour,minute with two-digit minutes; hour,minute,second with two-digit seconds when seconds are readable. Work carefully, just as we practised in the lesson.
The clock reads 6,15
